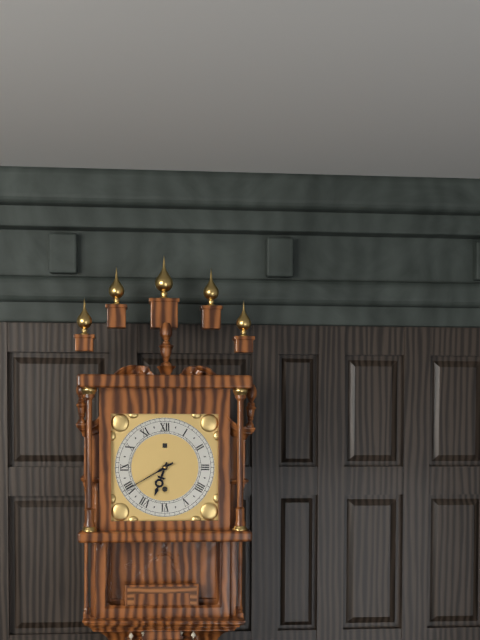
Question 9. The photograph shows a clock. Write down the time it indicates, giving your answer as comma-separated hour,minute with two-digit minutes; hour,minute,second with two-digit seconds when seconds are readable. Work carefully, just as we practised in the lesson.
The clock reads 6,40
